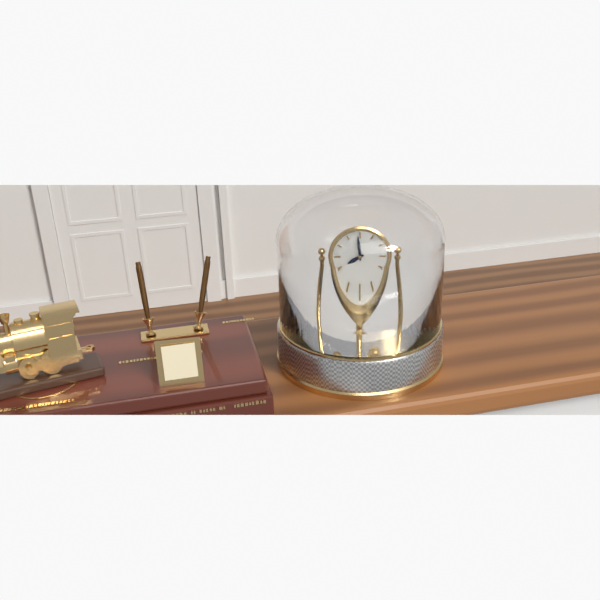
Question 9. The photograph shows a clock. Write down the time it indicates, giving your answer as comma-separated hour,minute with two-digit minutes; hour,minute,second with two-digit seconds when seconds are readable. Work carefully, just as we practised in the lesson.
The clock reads 7,59
